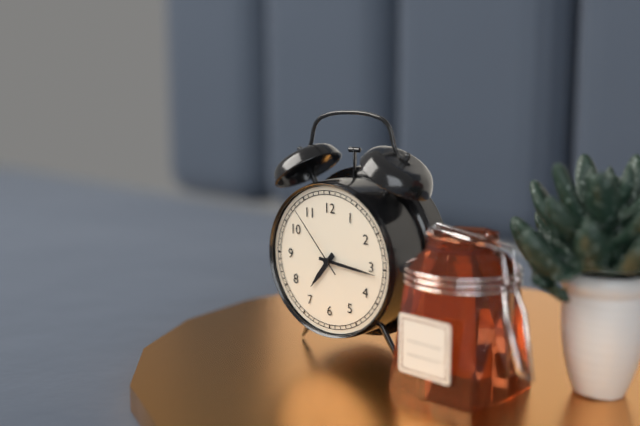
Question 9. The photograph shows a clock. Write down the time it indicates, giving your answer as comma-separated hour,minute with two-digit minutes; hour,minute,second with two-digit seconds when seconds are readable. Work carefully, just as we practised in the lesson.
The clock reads 7,16,53
